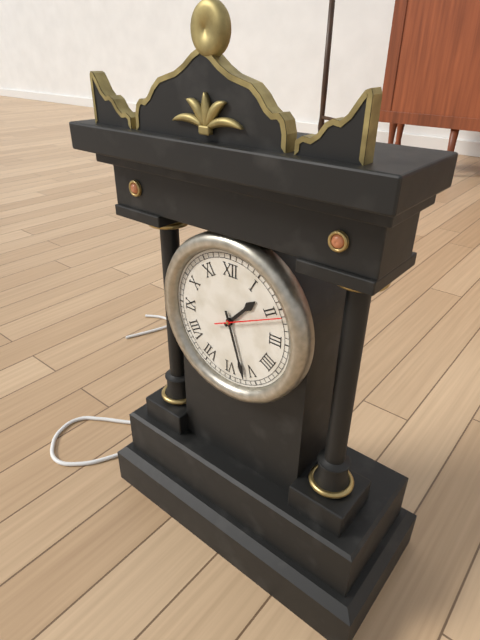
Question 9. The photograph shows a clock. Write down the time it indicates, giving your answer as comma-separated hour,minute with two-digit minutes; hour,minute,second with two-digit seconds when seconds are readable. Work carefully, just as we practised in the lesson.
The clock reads 1,27,11
